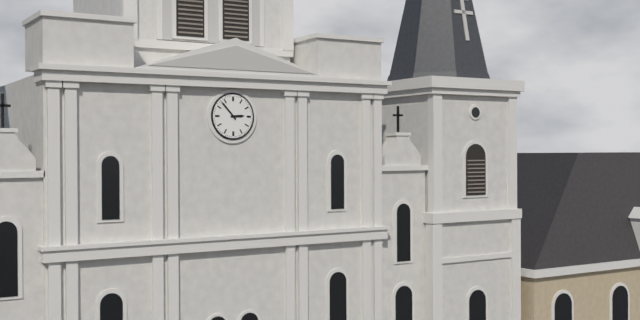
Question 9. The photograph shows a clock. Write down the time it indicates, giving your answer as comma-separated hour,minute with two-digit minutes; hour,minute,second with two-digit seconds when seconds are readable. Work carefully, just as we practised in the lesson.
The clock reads 2,53
